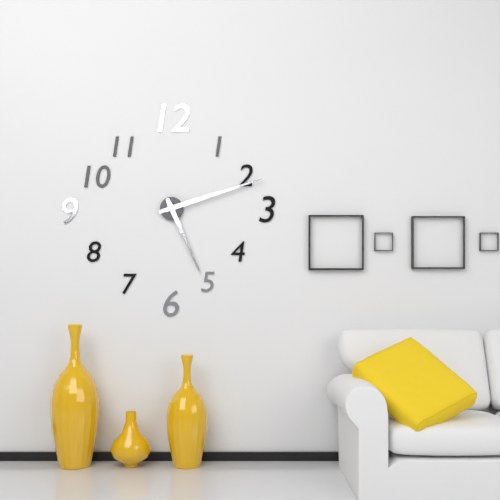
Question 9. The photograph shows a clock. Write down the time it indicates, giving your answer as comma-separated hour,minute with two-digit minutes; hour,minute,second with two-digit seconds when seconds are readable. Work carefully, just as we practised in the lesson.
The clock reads 5,12
